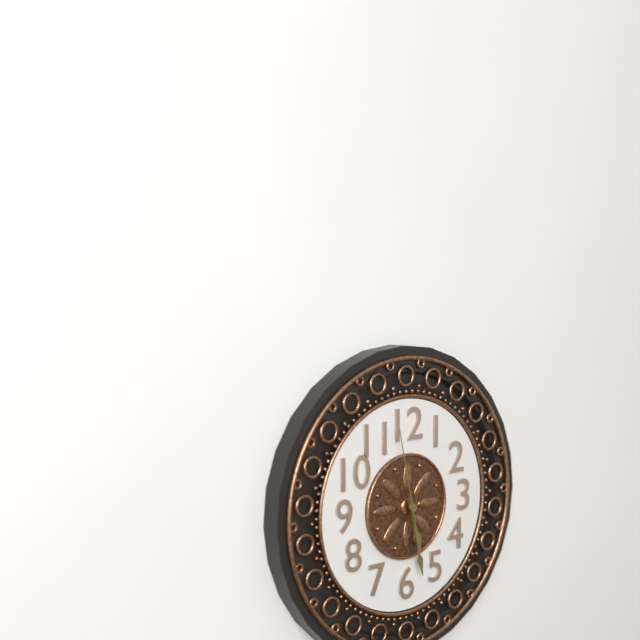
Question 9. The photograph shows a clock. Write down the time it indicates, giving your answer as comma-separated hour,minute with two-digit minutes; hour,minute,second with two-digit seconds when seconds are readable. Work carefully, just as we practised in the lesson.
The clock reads 5,28,58
